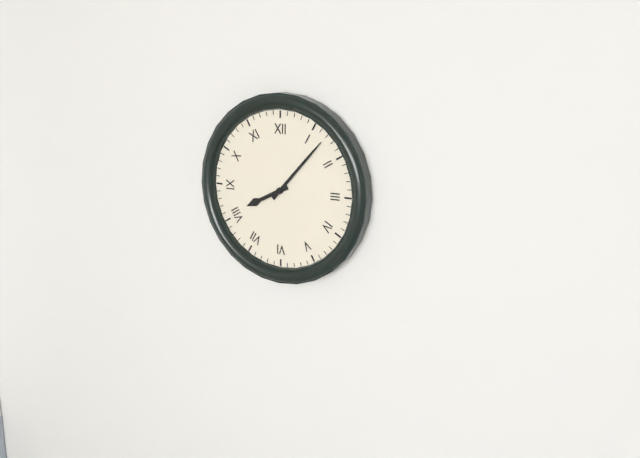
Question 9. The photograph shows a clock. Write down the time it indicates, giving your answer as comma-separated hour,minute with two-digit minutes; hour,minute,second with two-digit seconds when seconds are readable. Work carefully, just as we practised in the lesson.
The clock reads 8,07
